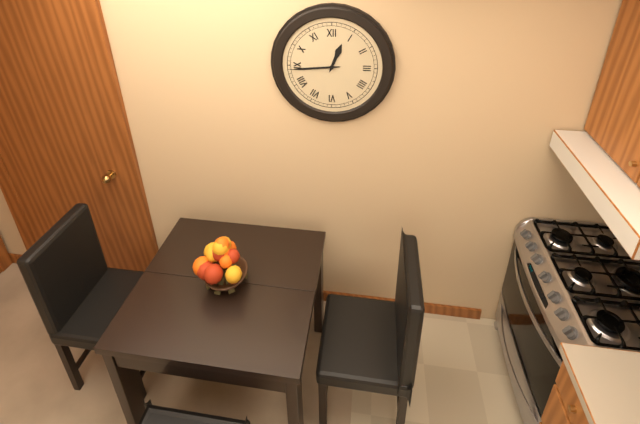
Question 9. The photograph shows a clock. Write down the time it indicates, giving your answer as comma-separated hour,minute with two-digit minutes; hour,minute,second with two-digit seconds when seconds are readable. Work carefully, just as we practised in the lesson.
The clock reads 12,44
